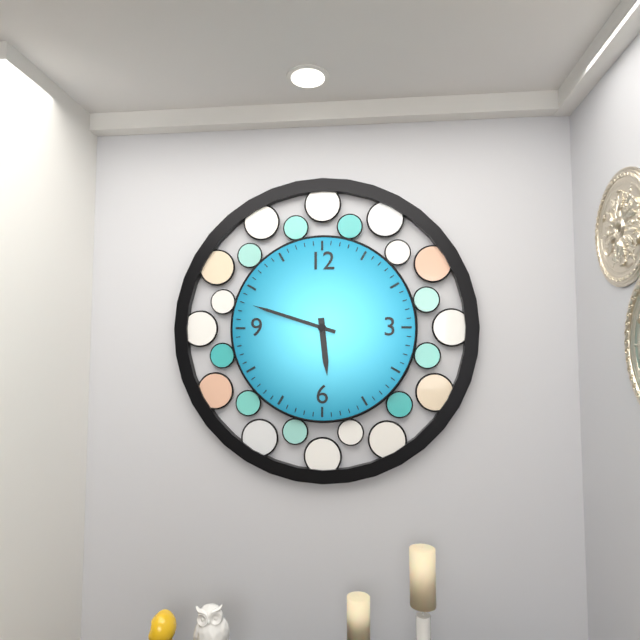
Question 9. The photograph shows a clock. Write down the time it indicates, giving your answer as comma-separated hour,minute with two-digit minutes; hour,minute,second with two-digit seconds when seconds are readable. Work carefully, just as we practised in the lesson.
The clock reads 5,48
